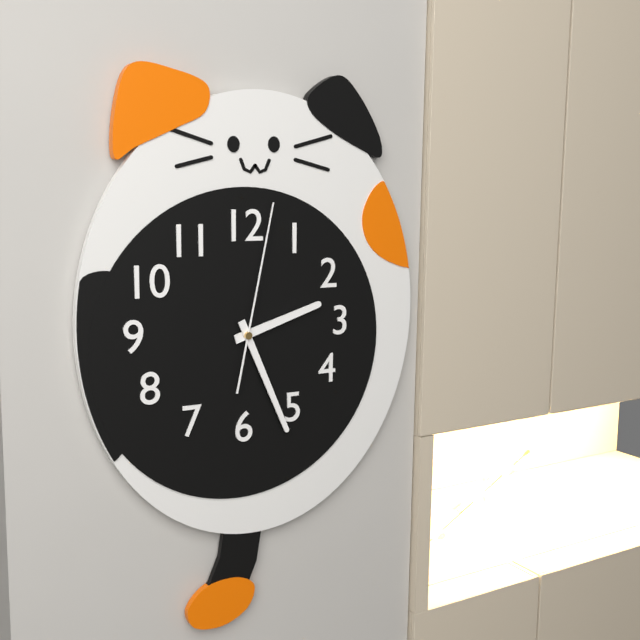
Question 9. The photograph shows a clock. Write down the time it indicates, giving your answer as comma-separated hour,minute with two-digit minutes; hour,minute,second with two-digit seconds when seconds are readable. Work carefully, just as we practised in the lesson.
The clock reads 2,26,02
